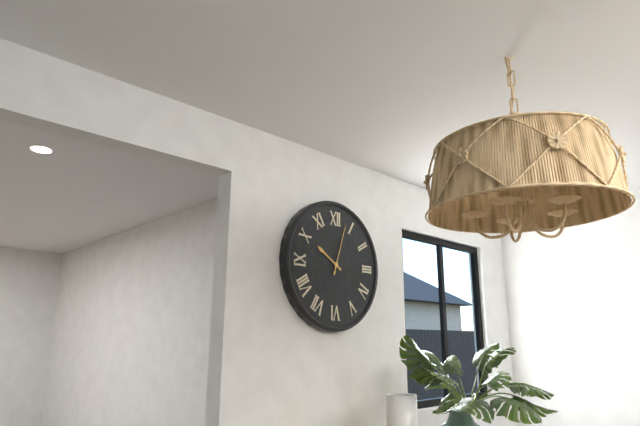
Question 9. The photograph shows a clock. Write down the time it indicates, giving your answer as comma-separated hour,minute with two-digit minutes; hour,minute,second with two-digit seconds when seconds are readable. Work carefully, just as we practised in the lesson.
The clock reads 10,03
